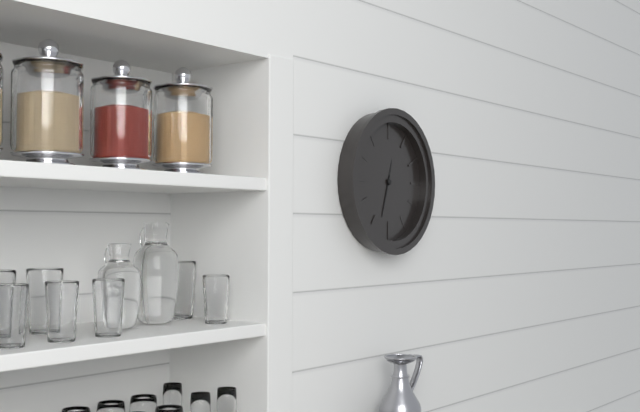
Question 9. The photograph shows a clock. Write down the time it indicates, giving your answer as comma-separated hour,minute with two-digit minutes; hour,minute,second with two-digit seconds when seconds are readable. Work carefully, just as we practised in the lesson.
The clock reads 12,33
